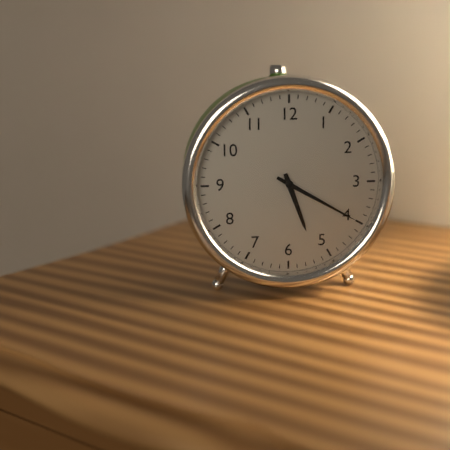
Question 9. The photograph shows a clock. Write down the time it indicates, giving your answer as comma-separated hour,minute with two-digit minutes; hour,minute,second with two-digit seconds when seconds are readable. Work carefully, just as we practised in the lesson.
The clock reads 5,20
